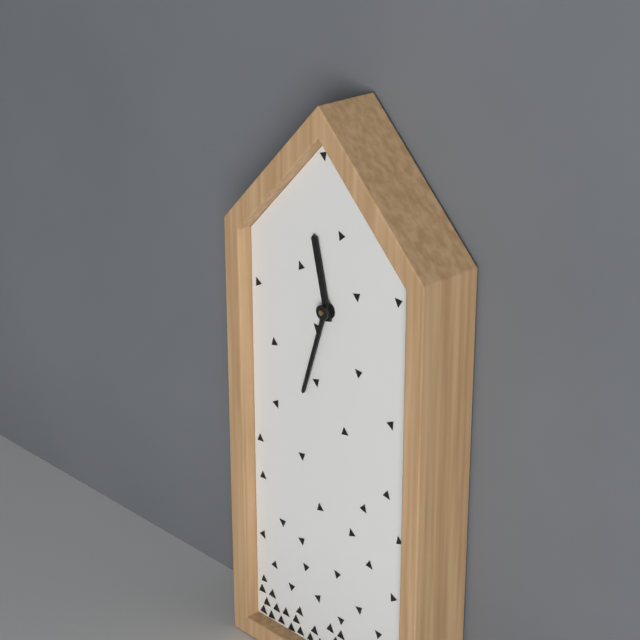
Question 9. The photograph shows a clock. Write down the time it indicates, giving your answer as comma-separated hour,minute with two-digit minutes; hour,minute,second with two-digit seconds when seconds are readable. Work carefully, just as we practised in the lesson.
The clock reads 11,33
